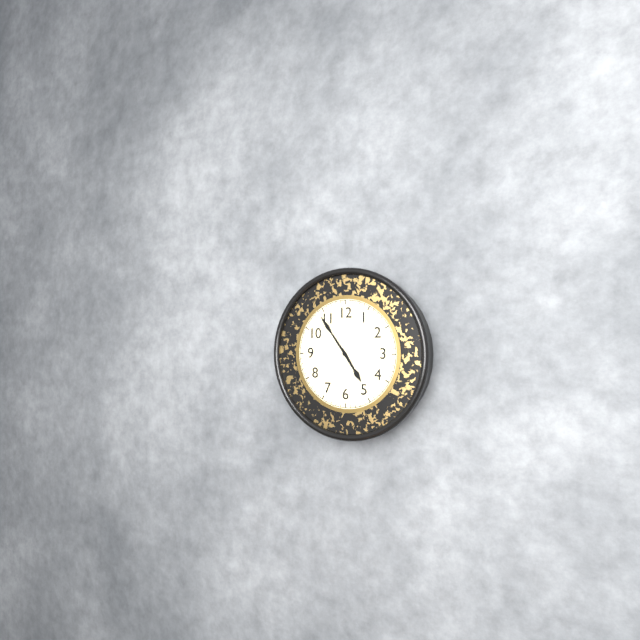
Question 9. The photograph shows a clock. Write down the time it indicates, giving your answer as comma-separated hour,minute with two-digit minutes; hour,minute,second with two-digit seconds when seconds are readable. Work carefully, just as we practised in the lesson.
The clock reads 4,54
